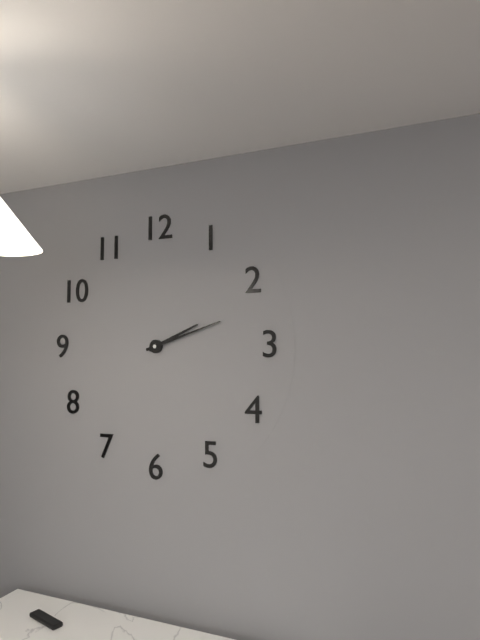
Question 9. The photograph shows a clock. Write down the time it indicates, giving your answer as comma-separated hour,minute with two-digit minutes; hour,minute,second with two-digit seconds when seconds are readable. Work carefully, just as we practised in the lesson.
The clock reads 2,12
